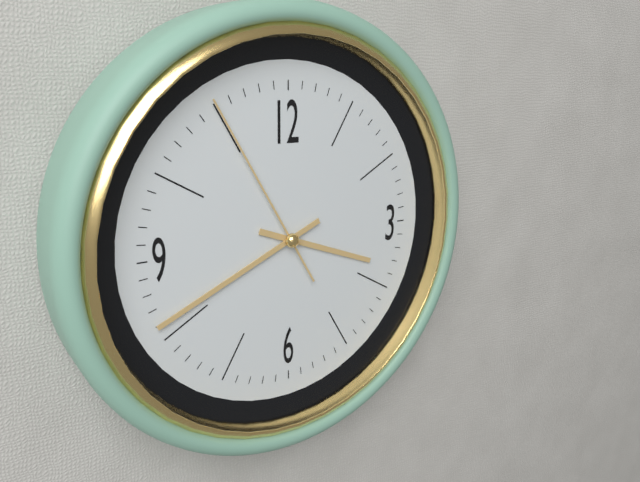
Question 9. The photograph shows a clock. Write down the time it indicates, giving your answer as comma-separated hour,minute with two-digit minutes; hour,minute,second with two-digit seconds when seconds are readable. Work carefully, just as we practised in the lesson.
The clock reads 3,41,55
